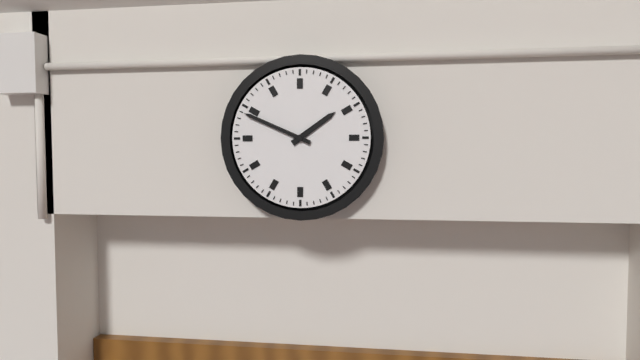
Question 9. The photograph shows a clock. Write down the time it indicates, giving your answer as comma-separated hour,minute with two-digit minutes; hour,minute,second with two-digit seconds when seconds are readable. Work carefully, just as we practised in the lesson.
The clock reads 1,49
